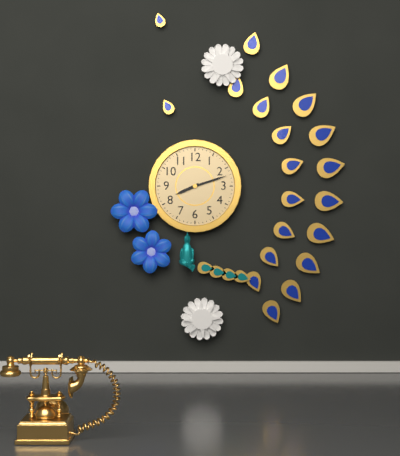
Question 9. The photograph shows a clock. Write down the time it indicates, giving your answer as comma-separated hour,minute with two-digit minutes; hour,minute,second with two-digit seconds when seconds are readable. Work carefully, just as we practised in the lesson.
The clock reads 8,12
